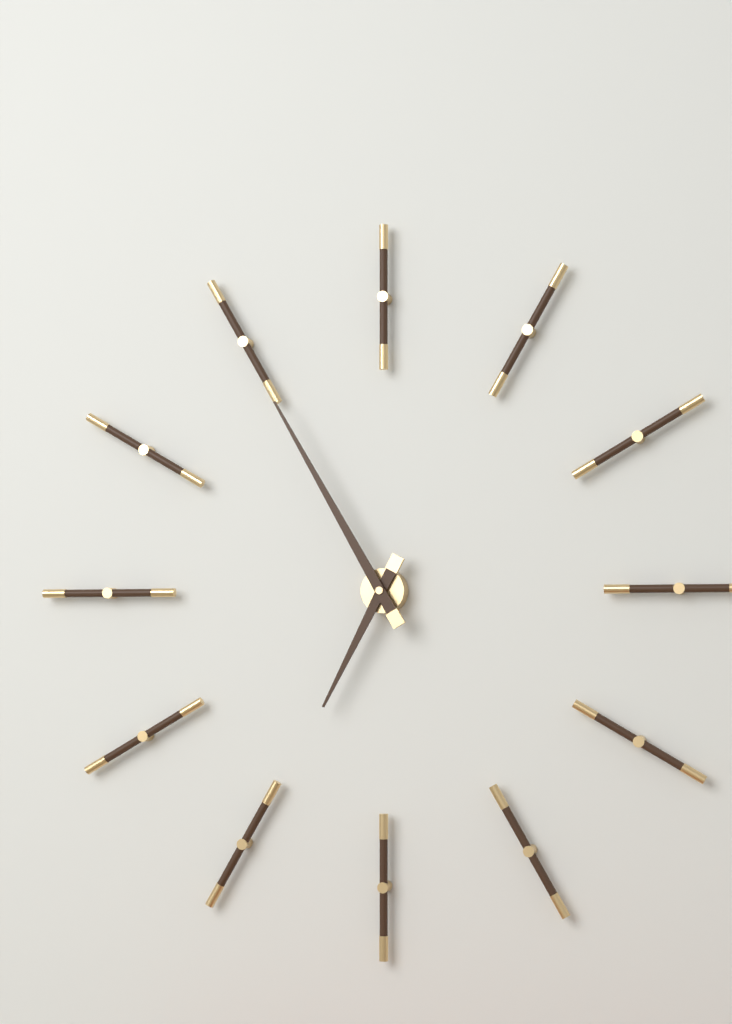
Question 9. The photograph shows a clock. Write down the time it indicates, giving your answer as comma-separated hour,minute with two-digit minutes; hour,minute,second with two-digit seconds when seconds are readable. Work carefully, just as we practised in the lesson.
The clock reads 6,55
